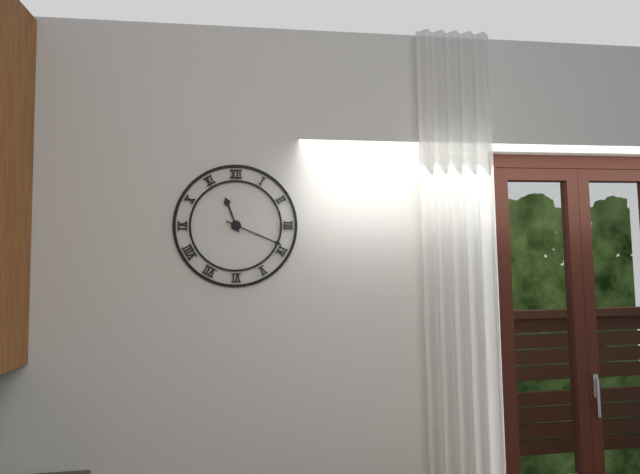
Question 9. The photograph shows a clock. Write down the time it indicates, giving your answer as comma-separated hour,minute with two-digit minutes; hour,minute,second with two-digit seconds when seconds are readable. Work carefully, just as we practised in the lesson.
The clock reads 11,19
